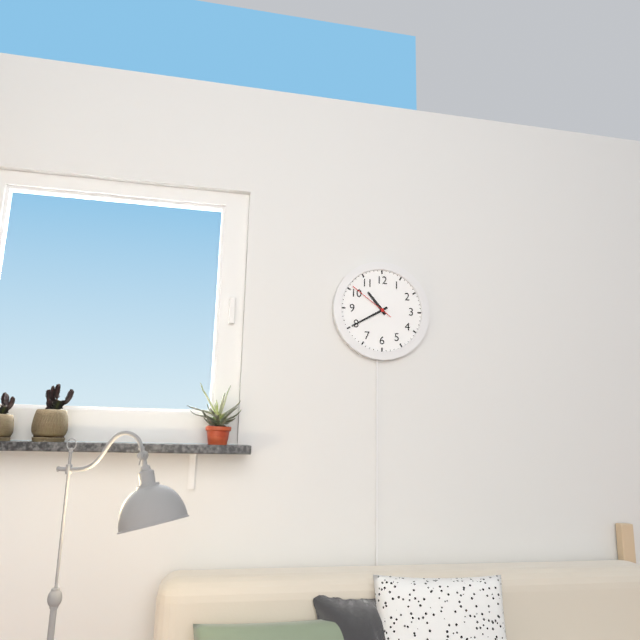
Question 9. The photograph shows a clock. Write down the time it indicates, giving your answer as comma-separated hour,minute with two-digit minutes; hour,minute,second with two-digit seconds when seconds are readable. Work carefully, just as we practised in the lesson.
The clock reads 10,40
